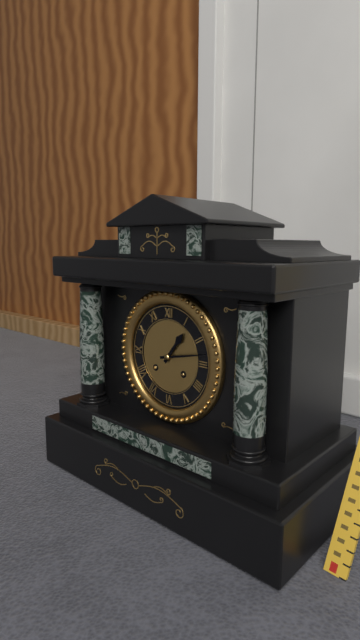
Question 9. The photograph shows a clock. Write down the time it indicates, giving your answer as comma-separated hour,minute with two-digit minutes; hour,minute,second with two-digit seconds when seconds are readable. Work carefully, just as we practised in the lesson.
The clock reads 1,13
